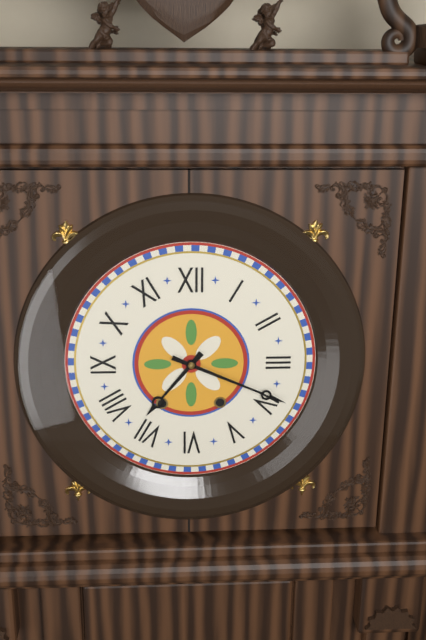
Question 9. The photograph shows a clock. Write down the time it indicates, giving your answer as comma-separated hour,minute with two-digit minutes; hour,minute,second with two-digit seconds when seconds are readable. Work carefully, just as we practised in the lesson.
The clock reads 7,19
